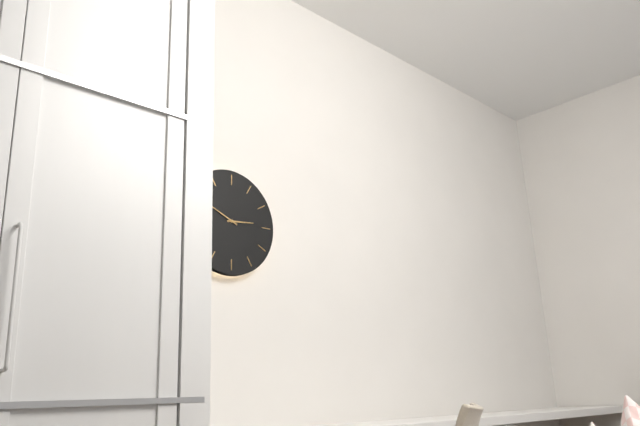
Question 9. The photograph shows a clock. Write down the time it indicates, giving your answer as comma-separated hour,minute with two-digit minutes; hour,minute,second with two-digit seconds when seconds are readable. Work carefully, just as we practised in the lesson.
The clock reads 2,49
